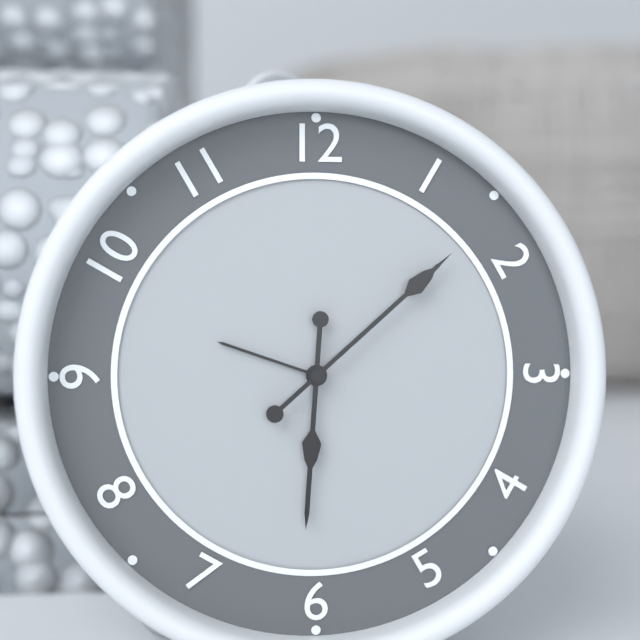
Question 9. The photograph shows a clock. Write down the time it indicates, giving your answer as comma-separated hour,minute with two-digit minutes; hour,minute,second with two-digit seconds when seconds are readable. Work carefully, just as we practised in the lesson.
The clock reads 6,08
